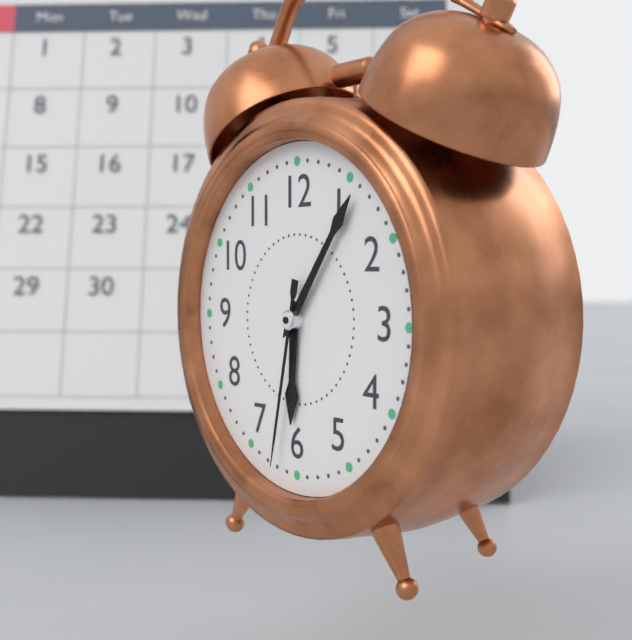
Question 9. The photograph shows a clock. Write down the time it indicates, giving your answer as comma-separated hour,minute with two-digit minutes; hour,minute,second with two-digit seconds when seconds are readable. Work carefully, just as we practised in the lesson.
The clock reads 6,06,32
